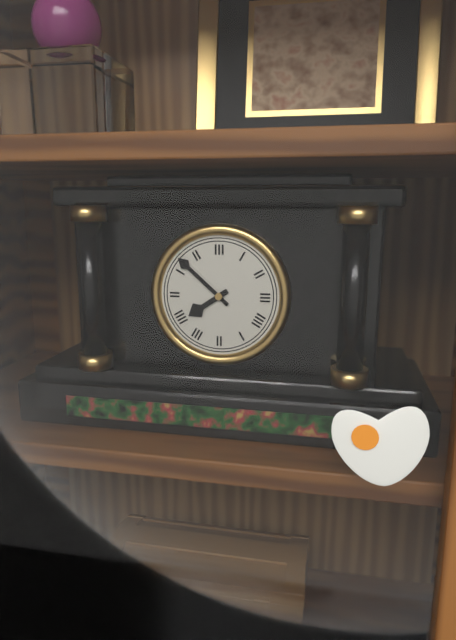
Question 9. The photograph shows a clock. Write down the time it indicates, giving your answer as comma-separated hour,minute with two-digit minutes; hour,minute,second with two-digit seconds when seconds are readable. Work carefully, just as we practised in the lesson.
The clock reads 7,52
